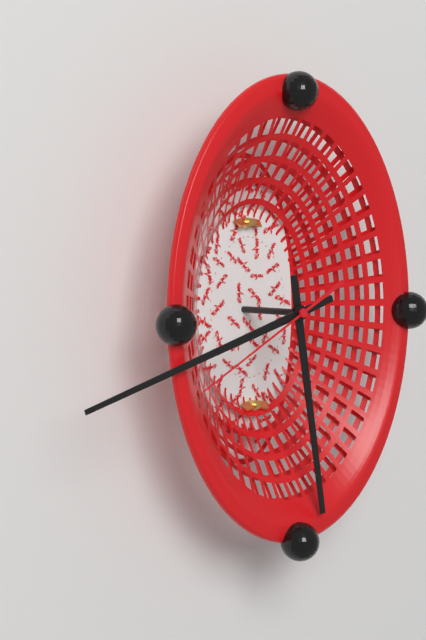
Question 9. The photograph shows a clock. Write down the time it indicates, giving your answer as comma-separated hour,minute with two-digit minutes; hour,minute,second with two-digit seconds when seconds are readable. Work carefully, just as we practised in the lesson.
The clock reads 5,42,40
